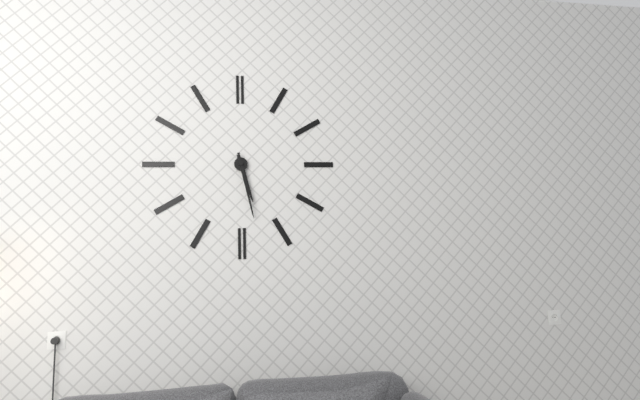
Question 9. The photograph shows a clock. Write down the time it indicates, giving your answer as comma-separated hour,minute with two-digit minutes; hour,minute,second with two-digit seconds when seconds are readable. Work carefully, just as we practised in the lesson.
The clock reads 5,28
